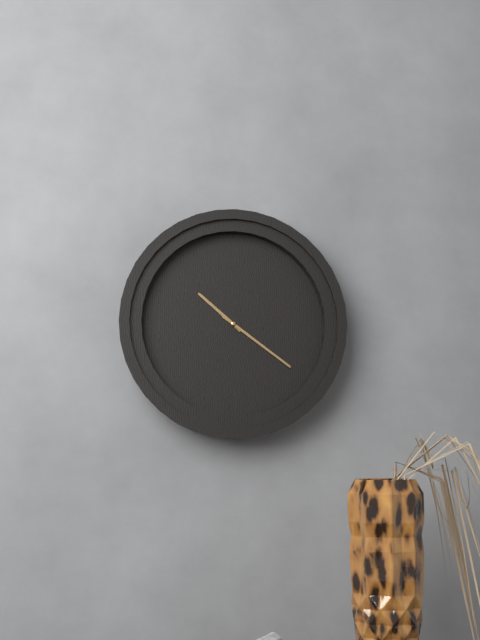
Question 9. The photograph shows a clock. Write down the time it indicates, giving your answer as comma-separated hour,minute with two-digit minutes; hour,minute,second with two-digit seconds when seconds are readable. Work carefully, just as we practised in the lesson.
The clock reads 10,21
